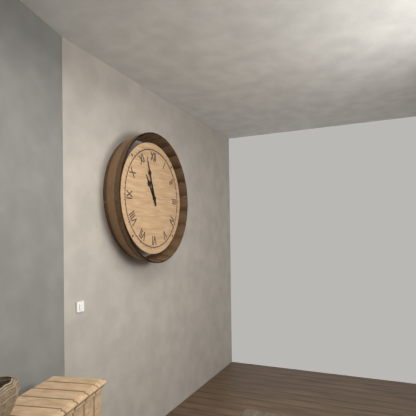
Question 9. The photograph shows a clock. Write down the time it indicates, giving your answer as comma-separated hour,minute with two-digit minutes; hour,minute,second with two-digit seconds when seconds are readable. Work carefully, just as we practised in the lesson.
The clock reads 10,57
